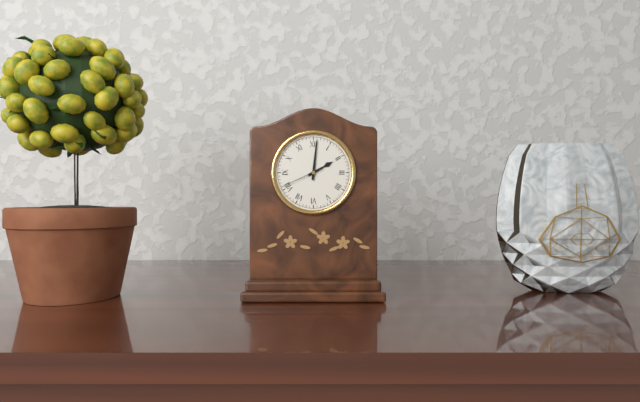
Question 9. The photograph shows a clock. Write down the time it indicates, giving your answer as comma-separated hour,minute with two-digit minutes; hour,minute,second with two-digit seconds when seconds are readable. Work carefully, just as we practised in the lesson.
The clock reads 2,01
